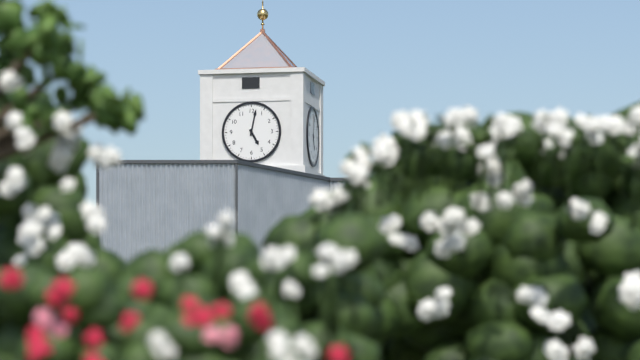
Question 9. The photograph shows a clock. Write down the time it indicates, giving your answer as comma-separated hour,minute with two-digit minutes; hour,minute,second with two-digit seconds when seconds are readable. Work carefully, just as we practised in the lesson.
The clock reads 5,02
